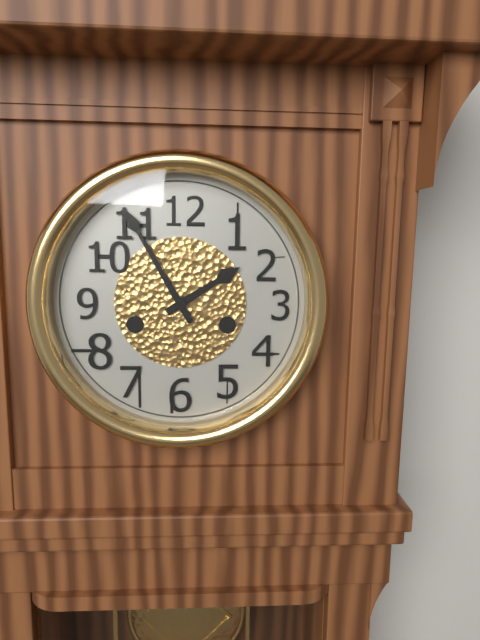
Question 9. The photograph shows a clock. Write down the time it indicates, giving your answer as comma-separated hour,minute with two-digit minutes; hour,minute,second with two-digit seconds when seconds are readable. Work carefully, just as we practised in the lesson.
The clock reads 1,55
